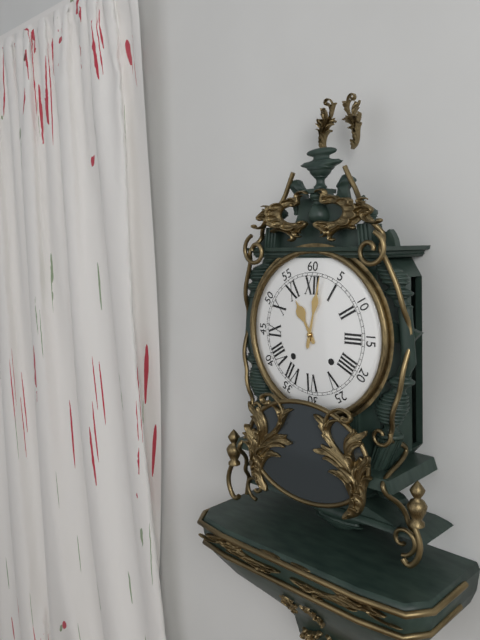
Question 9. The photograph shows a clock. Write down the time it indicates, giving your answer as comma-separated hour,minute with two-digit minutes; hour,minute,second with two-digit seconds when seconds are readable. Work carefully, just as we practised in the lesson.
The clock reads 11,02
